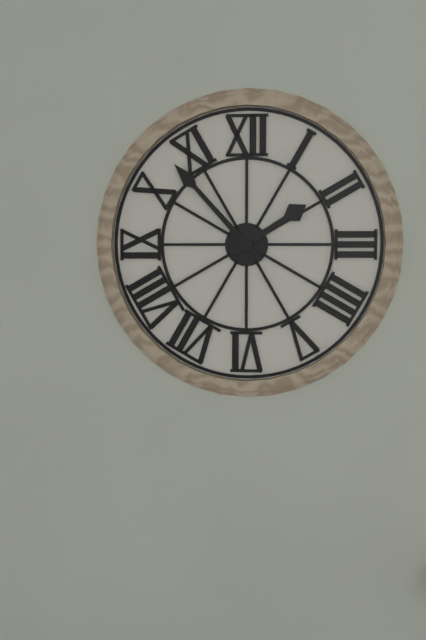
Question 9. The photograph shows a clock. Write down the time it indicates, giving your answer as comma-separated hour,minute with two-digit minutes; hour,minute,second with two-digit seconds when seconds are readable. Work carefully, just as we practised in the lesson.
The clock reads 1,53
